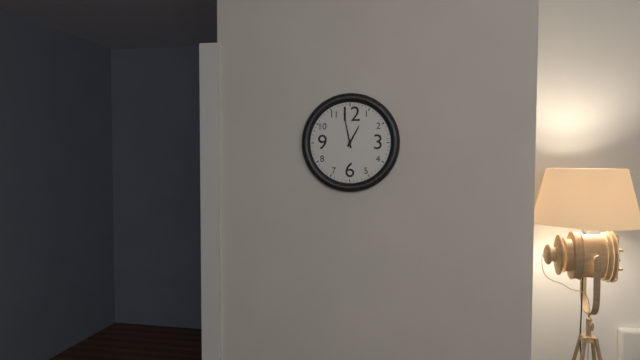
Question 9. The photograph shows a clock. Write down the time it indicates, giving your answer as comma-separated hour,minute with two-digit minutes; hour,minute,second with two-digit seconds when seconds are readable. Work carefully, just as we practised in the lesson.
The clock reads 12,58
